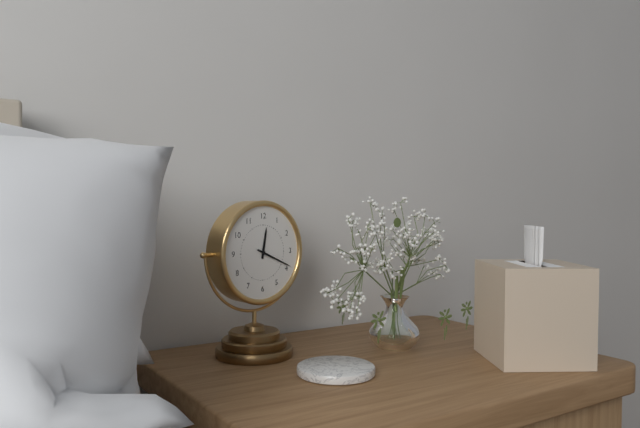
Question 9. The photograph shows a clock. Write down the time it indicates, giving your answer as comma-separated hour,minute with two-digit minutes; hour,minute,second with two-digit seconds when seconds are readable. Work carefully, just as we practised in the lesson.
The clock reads 12,19
